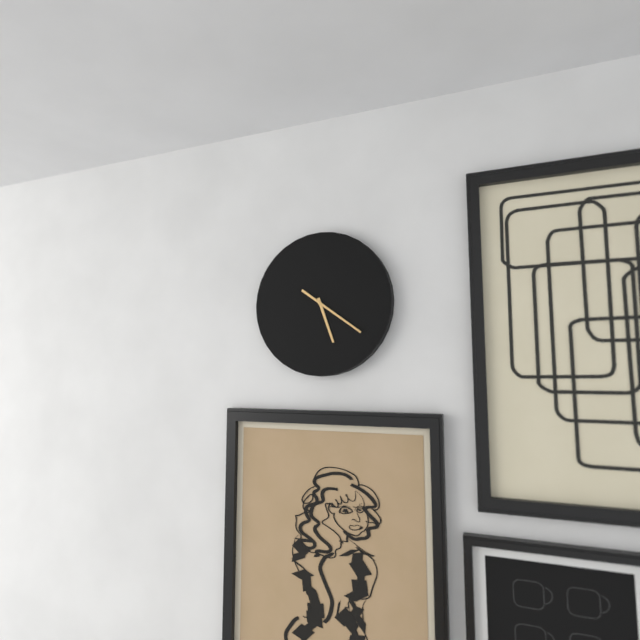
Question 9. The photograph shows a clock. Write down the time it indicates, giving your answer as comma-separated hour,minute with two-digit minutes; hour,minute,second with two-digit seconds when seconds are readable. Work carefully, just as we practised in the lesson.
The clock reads 5,21
